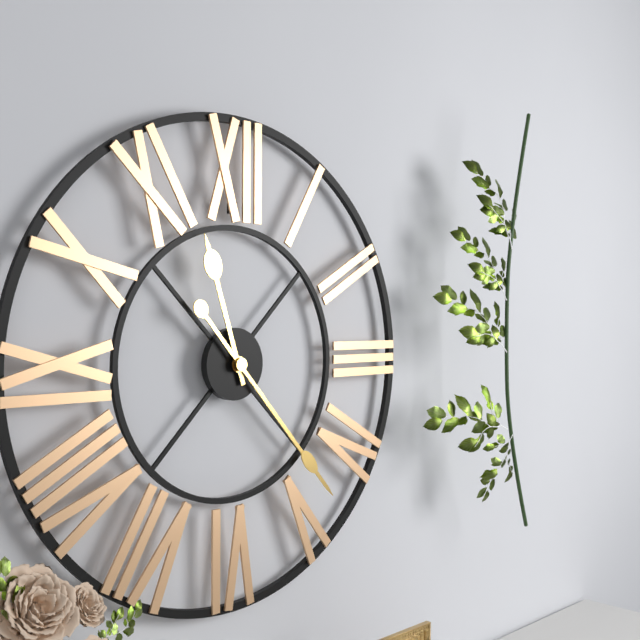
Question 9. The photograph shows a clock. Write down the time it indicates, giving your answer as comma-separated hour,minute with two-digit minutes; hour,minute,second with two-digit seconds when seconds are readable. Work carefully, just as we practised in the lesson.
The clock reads 11,23
